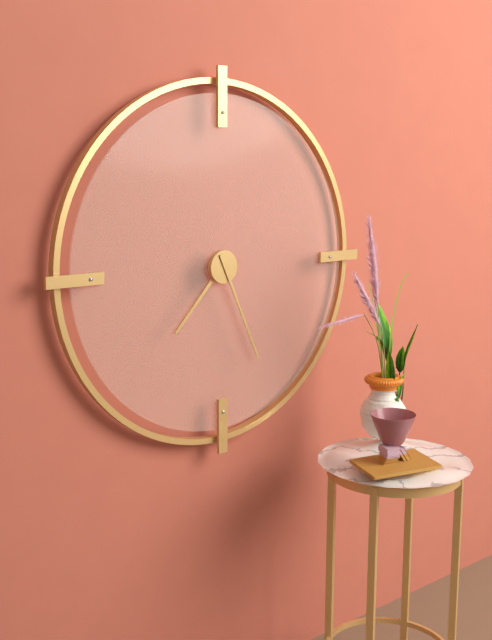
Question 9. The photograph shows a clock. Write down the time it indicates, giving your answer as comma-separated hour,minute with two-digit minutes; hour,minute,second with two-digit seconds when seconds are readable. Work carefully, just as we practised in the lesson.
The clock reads 7,26
